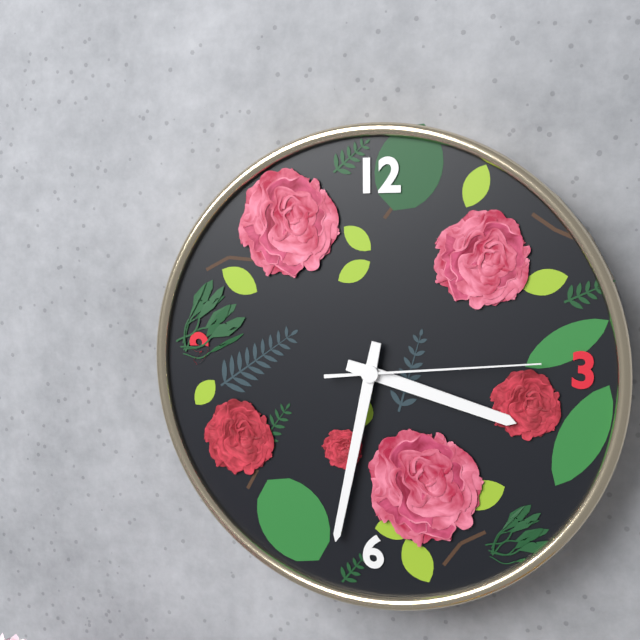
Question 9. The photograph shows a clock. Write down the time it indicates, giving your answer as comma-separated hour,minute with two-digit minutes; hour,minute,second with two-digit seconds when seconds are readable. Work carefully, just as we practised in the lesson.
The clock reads 3,32,14
